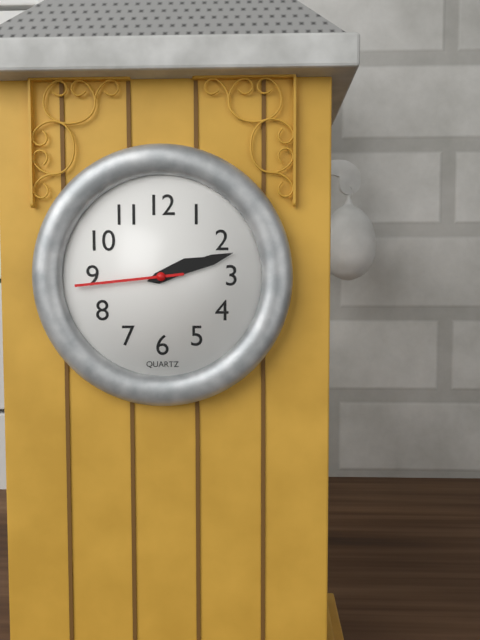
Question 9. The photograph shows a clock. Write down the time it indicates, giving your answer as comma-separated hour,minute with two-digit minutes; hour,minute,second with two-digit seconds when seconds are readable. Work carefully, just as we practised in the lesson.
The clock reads 2,12,44
